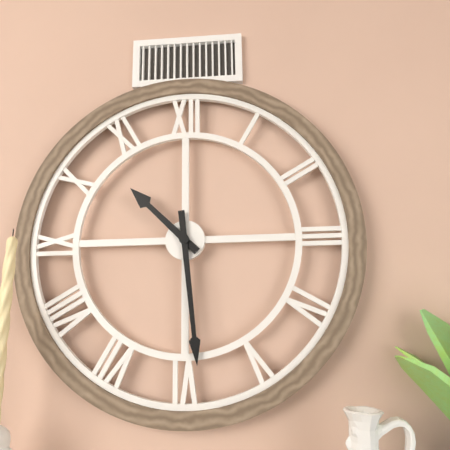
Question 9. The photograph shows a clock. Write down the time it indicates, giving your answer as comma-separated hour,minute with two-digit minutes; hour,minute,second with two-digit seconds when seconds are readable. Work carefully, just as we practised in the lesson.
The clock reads 10,29
